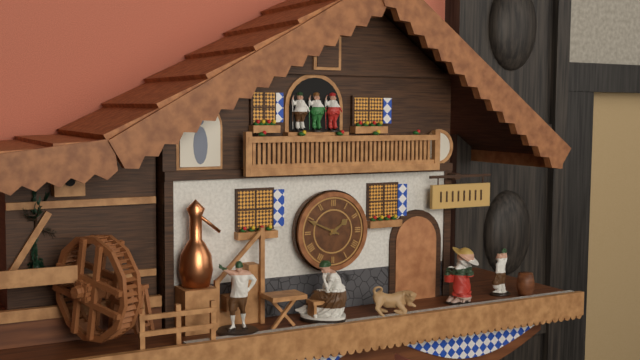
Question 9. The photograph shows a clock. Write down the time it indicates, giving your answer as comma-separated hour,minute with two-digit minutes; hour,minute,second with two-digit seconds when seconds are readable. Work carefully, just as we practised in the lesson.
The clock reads 1,49
